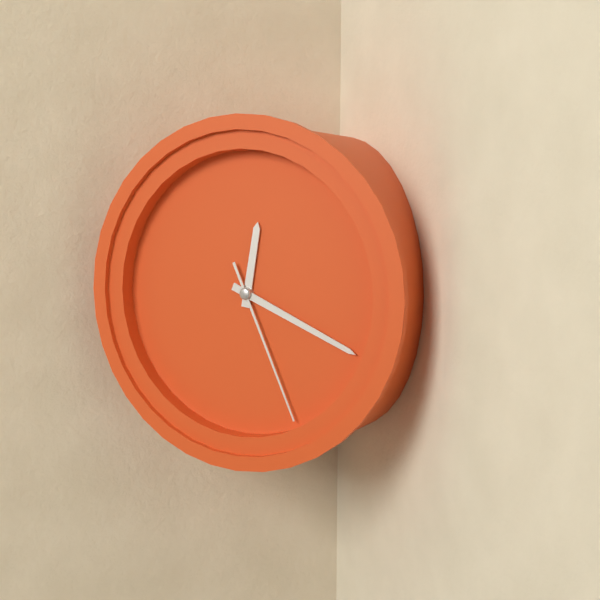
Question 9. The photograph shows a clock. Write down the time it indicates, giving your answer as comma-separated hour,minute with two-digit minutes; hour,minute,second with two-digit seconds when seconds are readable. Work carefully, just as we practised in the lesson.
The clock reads 12,19,26
